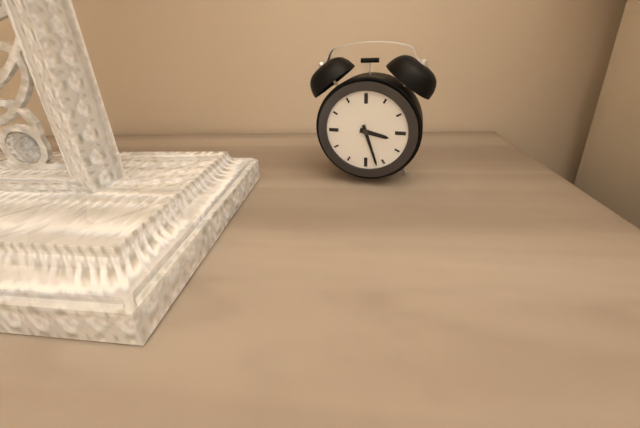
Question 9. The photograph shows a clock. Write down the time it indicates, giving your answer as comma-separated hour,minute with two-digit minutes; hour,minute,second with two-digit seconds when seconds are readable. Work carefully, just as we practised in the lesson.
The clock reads 3,27
